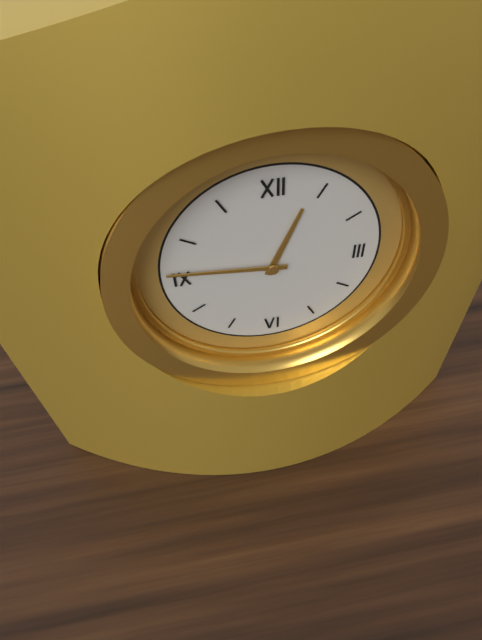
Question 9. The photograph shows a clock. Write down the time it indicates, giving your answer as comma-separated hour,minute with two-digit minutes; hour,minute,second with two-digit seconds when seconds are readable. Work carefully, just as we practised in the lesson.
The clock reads 12,46
